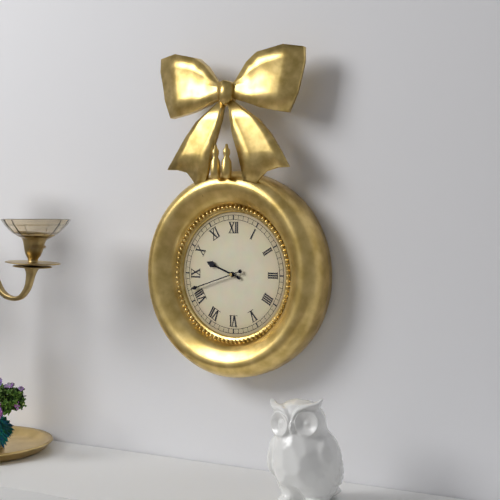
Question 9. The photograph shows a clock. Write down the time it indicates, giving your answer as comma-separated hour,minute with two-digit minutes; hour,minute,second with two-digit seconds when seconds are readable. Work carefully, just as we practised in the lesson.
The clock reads 9,42
